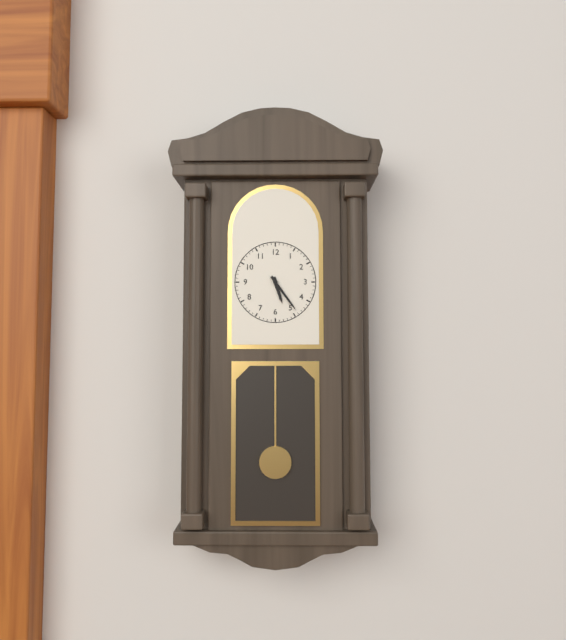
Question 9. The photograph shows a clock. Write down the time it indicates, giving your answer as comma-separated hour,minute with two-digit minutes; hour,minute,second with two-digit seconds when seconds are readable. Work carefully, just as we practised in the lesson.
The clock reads 5,24
